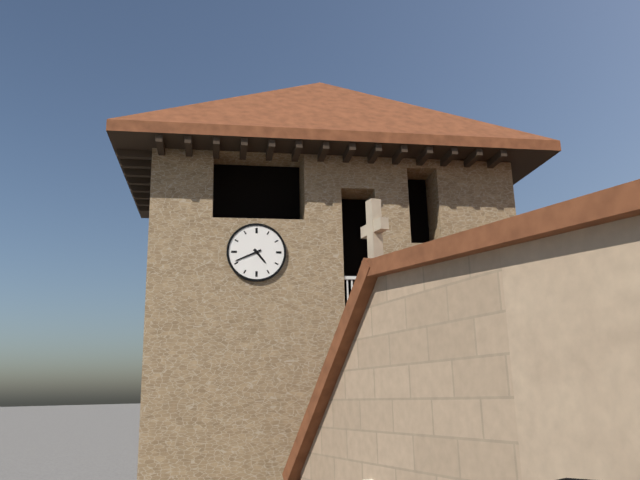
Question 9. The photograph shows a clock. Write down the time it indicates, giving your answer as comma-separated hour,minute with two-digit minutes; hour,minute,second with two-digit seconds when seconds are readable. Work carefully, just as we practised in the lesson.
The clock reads 4,41
